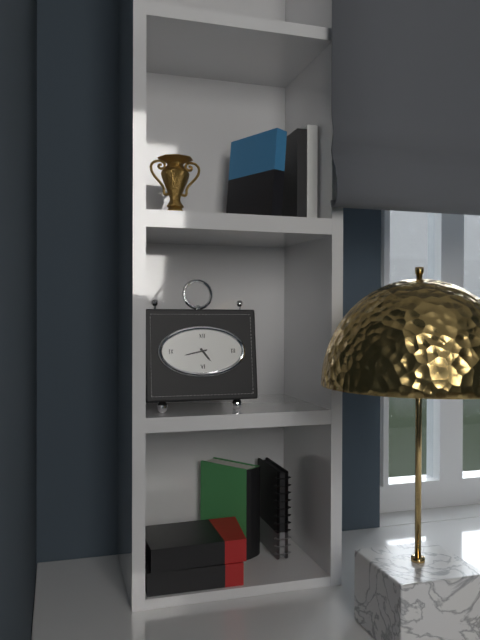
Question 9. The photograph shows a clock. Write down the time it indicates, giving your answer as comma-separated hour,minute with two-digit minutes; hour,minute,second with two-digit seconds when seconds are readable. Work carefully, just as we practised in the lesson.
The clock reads 4,43
